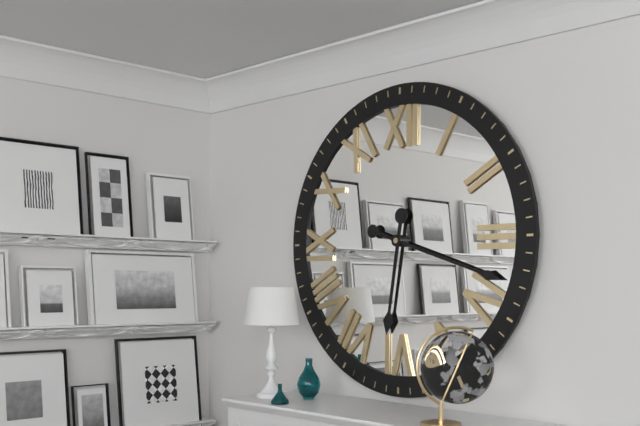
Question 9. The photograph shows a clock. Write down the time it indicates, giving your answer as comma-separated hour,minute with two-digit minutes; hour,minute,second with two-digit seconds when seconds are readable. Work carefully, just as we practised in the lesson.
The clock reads 6,18
